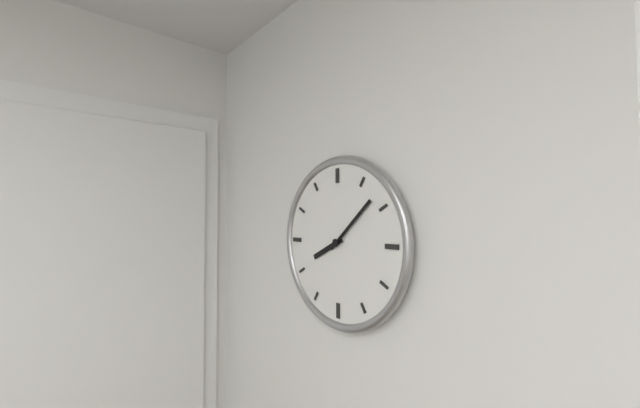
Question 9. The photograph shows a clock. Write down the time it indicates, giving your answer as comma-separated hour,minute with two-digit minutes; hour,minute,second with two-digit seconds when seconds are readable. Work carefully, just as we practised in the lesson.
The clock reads 8,08
